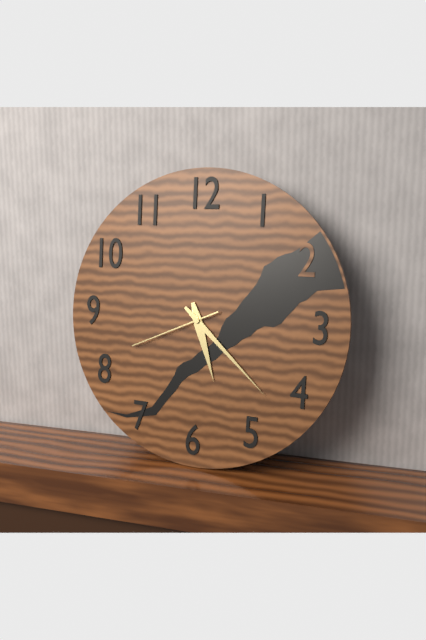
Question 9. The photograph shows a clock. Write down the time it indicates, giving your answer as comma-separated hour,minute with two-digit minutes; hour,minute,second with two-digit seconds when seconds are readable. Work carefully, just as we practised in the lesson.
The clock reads 5,22,41
